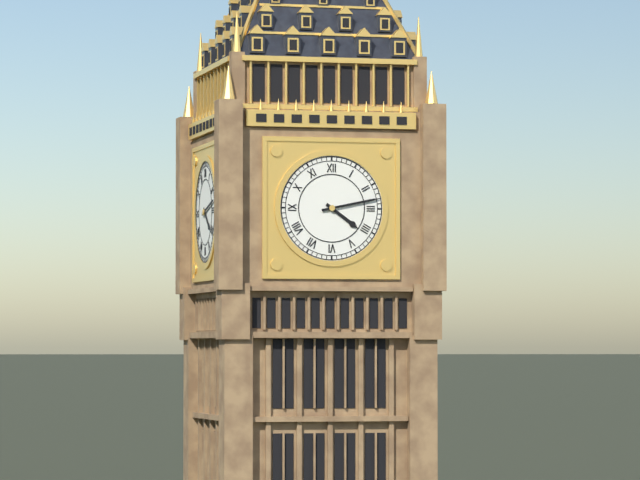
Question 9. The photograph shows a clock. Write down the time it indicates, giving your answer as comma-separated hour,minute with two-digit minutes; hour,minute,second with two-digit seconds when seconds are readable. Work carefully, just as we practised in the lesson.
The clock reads 4,13
